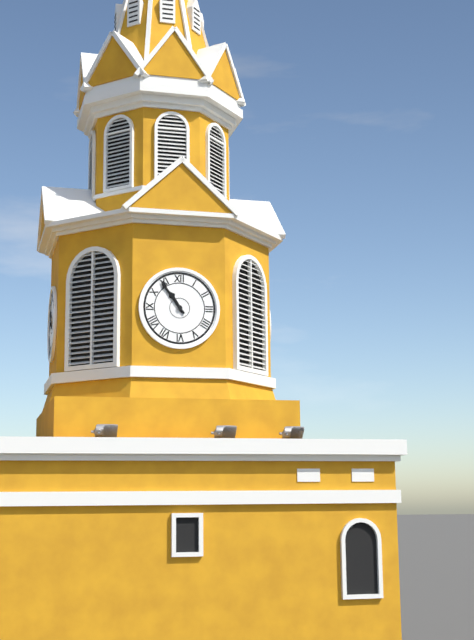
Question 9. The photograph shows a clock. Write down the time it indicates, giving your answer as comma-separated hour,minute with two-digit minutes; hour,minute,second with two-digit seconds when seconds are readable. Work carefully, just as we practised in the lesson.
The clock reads 10,54
